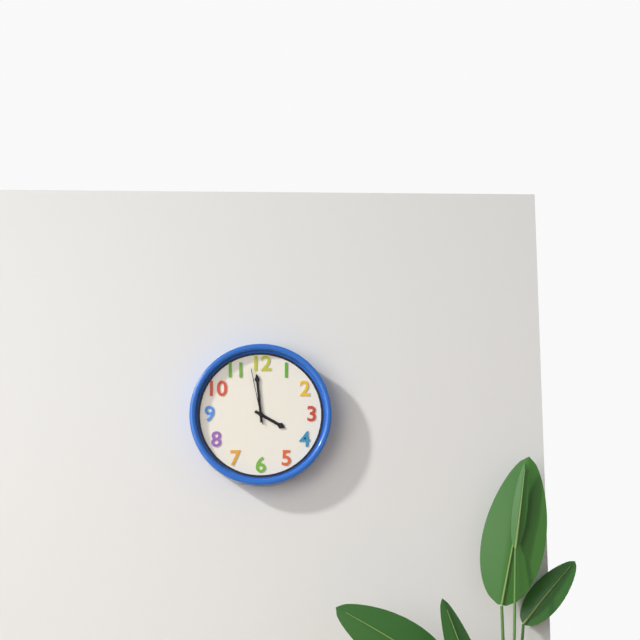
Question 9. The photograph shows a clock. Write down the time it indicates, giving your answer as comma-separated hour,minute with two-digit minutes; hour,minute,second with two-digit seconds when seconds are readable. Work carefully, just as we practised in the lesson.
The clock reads 3,59,58
